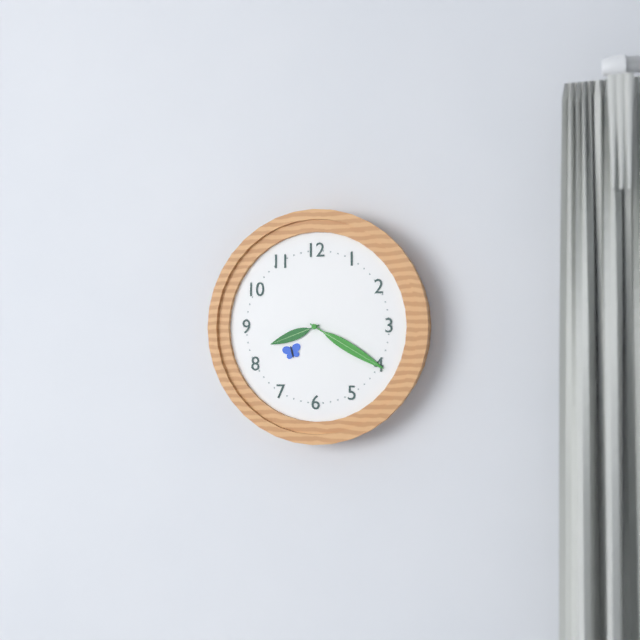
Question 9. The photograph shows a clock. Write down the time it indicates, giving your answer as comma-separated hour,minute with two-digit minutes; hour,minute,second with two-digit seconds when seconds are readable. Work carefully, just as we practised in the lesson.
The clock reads 8,20
